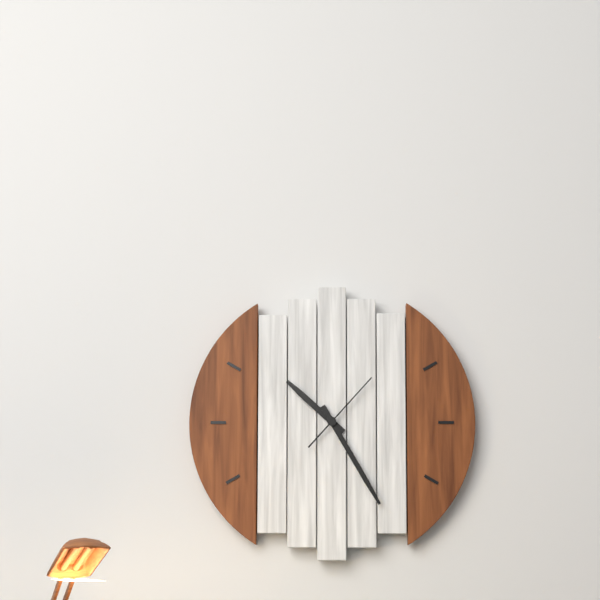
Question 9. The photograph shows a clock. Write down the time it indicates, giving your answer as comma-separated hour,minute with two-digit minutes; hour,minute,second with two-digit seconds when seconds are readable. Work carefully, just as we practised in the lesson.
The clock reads 10,25,07
